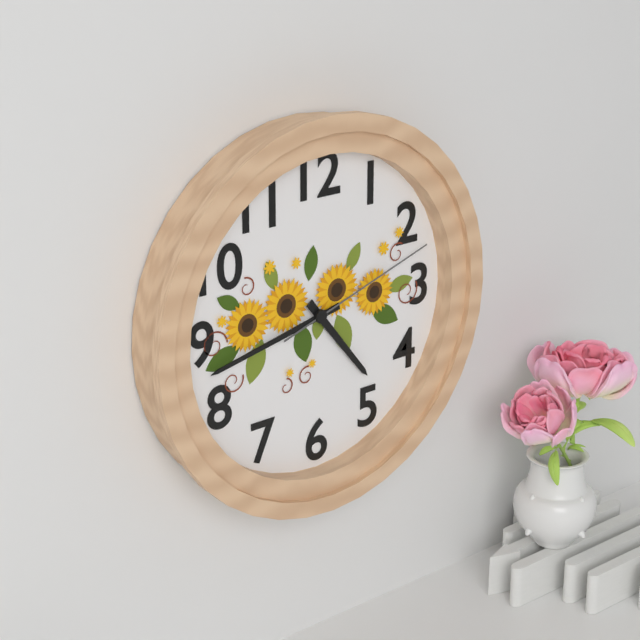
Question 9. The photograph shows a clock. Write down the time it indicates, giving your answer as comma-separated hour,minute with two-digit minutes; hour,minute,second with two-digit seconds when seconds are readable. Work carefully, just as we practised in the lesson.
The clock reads 4,43,12
